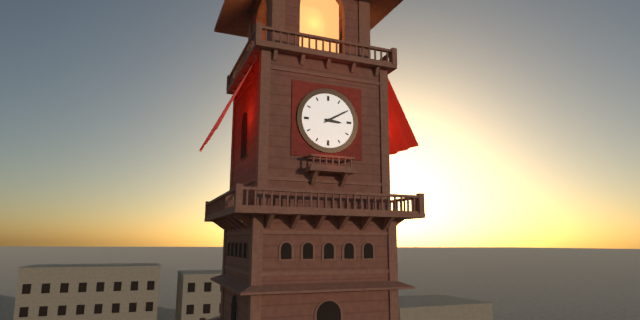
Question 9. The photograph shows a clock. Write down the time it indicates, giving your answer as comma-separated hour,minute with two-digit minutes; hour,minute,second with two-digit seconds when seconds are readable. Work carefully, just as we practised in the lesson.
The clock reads 3,10
